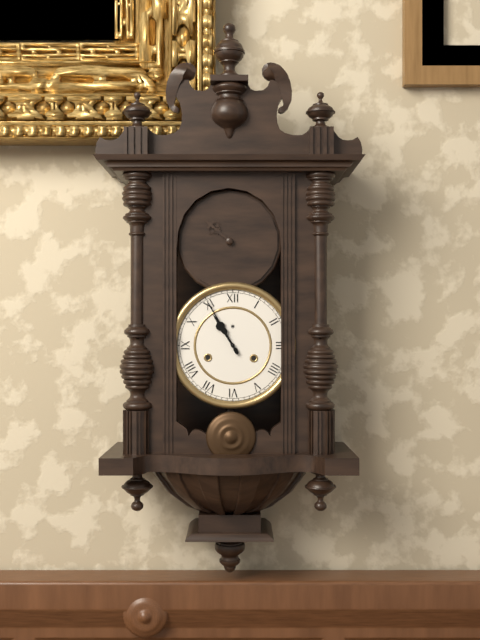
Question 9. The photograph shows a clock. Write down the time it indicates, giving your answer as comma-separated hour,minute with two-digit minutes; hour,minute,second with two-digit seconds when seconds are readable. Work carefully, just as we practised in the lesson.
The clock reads 10,55
